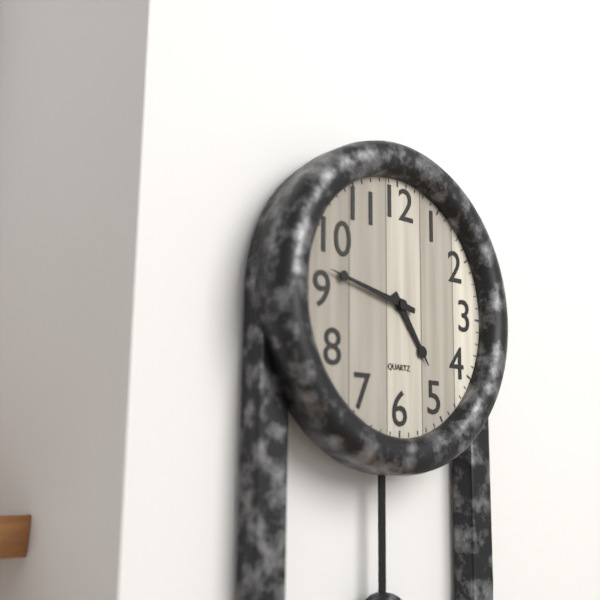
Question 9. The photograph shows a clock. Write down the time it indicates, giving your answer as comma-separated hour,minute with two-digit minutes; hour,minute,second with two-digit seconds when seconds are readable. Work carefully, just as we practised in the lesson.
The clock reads 4,47
